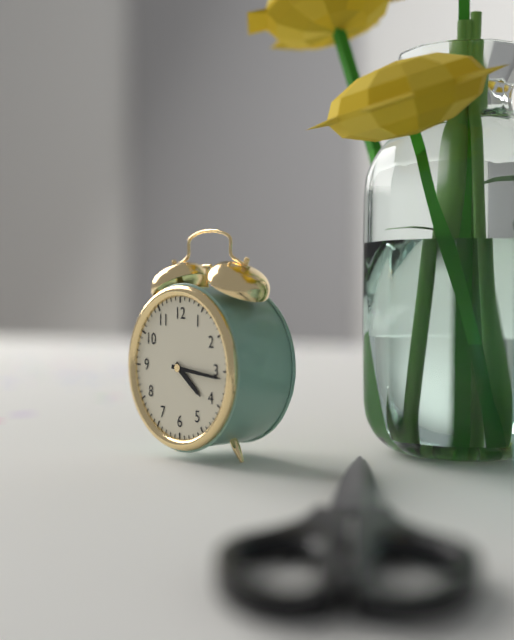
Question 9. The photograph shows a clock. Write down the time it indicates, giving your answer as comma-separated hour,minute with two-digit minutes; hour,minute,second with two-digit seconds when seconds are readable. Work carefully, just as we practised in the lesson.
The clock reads 4,16
